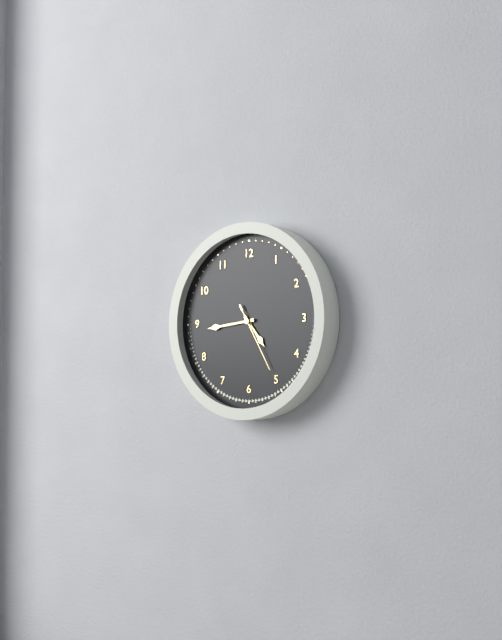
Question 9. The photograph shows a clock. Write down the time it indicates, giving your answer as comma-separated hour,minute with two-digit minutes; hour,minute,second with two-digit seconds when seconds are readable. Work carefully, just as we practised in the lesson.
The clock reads 4,44,25
